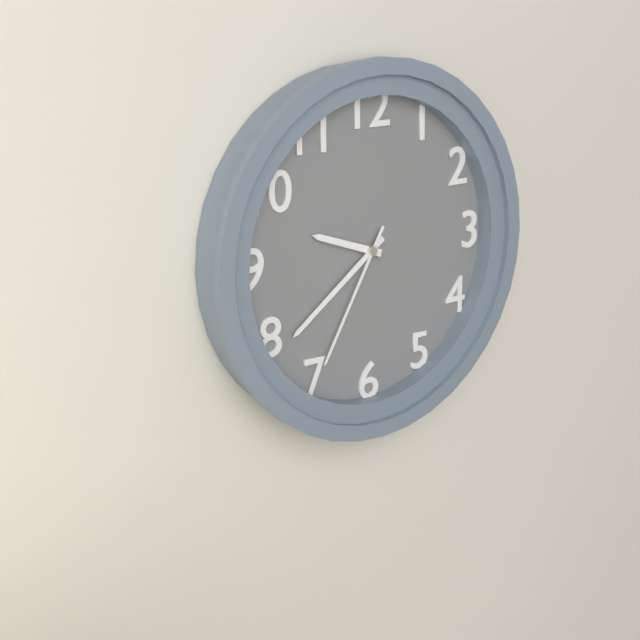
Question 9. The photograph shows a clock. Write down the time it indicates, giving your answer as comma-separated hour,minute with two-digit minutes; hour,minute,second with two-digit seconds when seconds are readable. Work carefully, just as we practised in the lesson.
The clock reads 9,39,35
